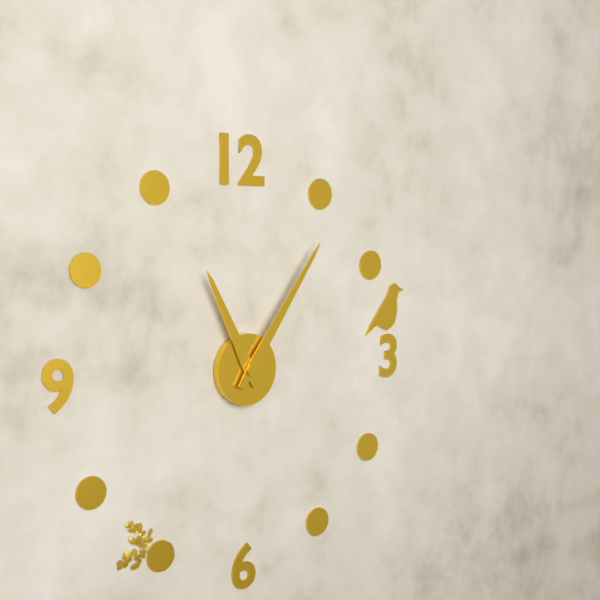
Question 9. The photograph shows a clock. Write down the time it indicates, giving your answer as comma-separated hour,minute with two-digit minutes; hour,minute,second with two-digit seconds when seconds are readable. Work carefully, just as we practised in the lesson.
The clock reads 11,06
